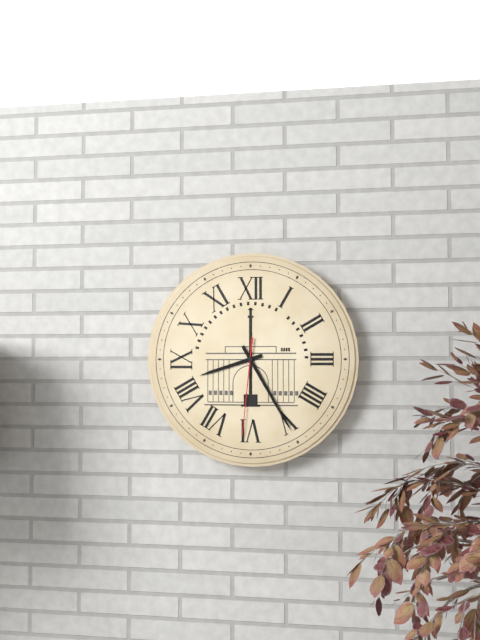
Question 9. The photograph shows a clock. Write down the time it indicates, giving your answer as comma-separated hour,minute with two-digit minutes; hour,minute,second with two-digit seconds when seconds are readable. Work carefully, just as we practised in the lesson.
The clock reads 8,25,31
